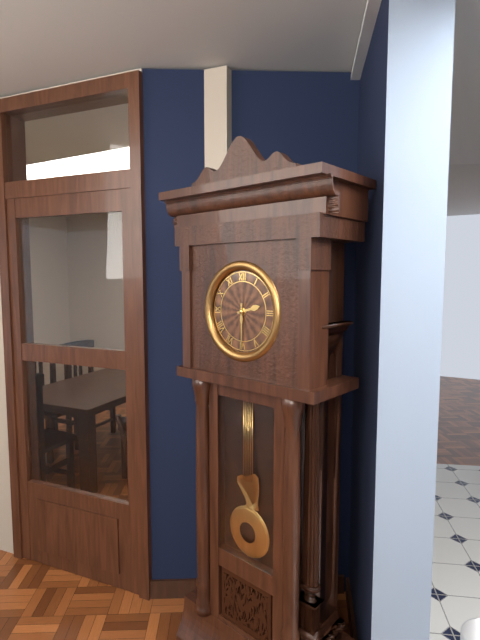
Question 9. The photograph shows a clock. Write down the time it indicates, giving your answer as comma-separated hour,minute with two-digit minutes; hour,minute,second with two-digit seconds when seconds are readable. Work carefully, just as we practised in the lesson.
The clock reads 2,30
